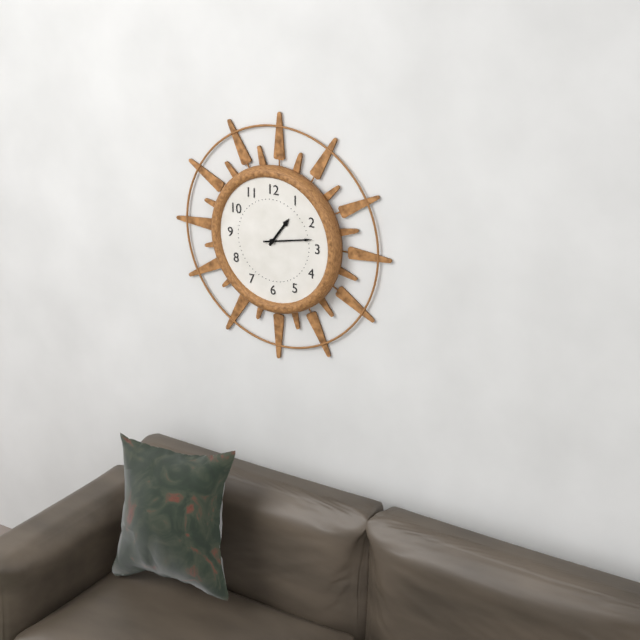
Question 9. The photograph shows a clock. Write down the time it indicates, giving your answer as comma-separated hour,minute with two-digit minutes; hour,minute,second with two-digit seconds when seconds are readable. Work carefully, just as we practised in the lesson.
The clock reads 1,13
